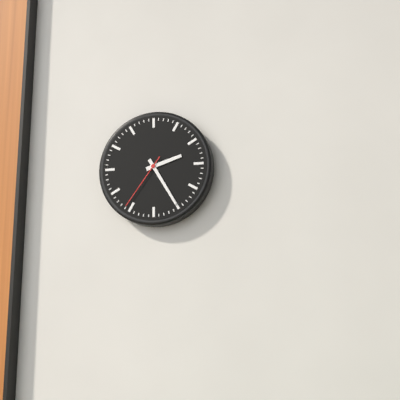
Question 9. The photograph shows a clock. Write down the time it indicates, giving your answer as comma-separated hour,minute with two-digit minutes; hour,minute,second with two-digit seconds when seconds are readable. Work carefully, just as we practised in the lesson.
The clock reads 2,25,36
